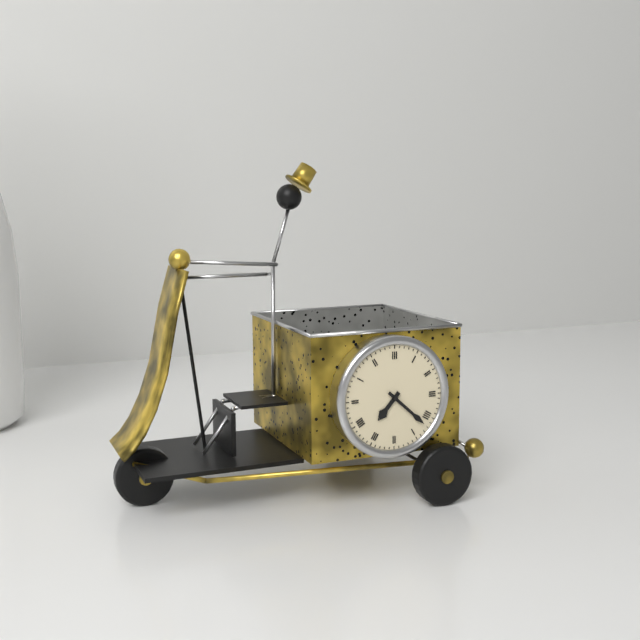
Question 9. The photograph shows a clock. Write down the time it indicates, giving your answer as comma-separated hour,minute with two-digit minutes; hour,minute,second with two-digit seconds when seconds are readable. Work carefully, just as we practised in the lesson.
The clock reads 7,22
